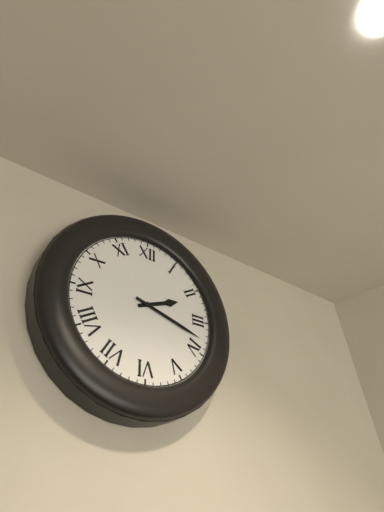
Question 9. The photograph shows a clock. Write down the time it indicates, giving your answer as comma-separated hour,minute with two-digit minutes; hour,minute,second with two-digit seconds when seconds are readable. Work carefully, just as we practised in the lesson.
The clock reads 2,18
